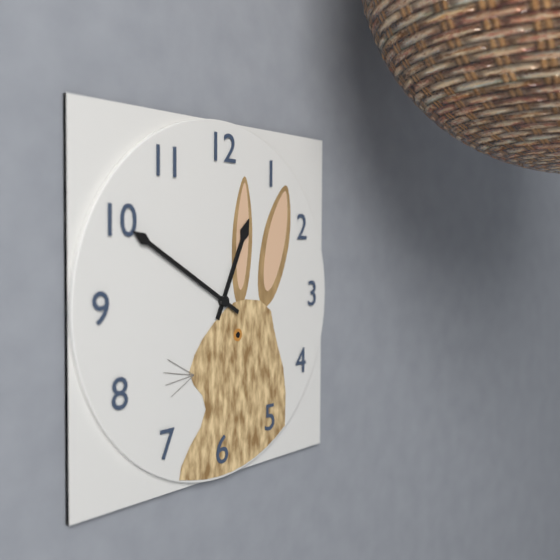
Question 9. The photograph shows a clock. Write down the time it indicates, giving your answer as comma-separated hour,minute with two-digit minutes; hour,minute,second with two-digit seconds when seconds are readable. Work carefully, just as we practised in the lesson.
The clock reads 12,50
